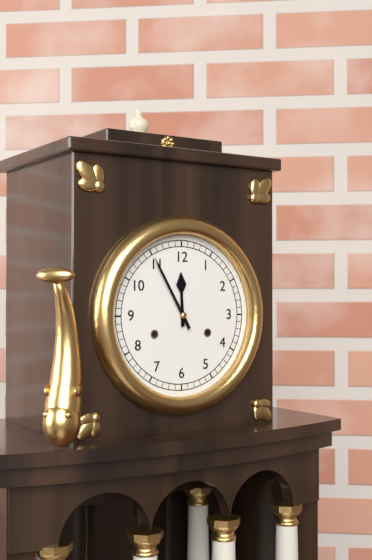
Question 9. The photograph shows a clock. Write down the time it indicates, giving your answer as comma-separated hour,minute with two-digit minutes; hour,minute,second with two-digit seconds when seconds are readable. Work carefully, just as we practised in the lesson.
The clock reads 11,55
